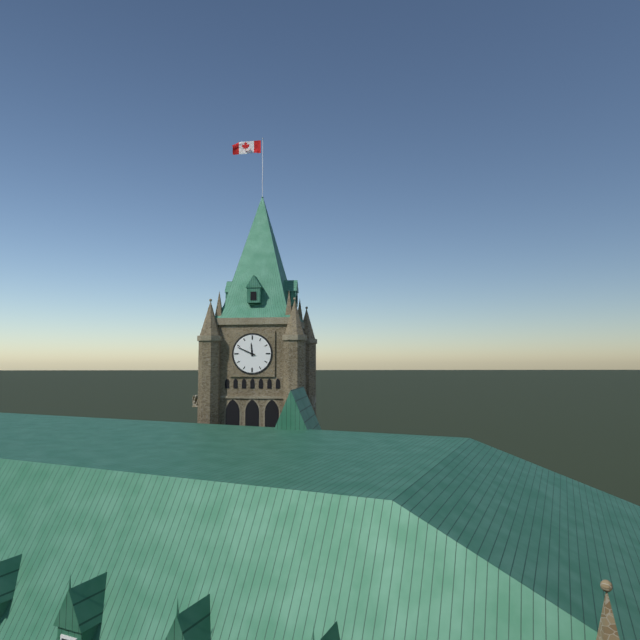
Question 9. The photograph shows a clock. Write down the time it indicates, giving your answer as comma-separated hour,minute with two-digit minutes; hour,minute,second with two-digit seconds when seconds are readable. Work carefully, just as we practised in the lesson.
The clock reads 11,49
